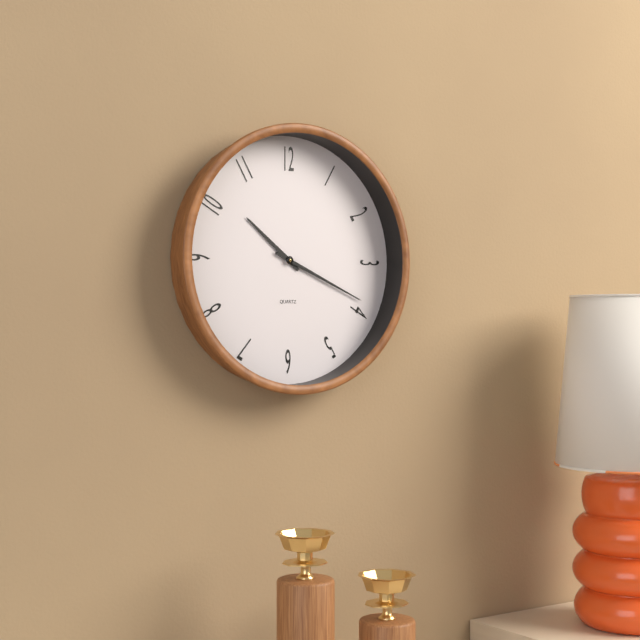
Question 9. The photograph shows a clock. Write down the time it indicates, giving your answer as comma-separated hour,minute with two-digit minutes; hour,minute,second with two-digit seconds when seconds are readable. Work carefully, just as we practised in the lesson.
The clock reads 10,19
